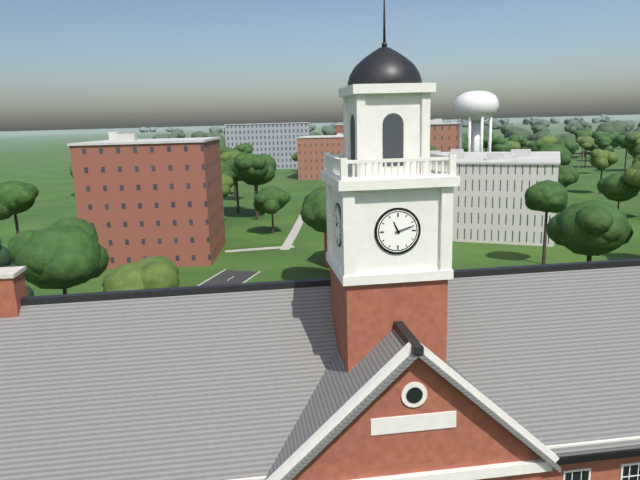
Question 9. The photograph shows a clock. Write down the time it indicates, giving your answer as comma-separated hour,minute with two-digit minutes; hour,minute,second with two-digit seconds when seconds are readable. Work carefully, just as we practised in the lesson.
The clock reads 11,12
